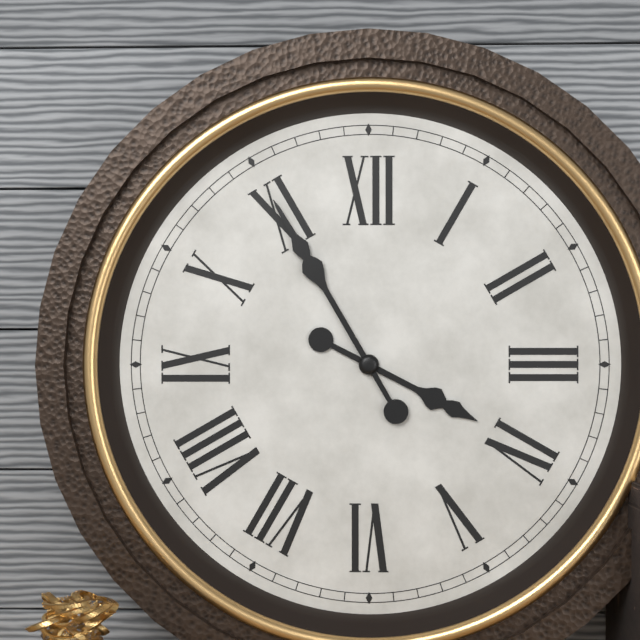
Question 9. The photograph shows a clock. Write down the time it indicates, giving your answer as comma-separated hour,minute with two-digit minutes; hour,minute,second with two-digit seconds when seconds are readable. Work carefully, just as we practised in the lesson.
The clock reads 3,55
